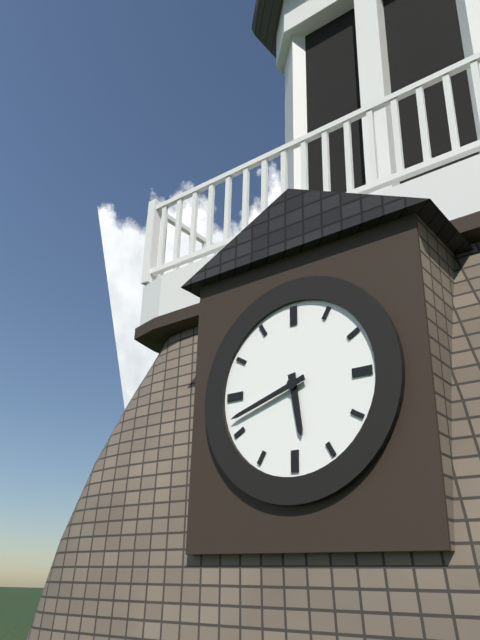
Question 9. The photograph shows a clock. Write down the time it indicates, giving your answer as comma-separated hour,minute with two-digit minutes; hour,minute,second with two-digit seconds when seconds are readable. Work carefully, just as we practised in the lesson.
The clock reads 5,42
